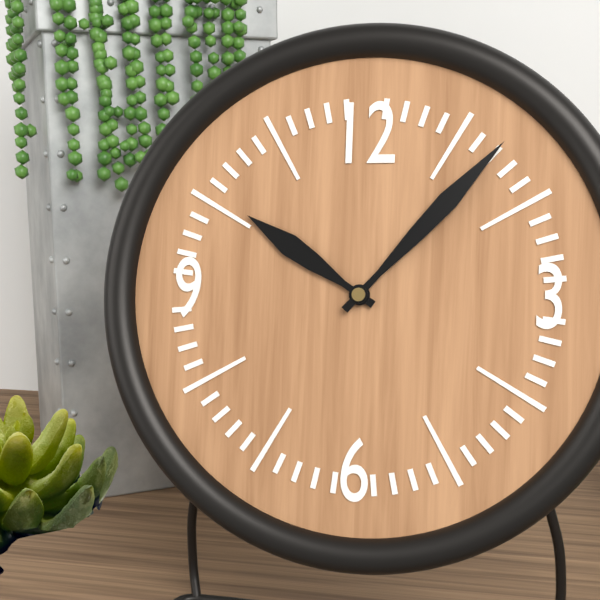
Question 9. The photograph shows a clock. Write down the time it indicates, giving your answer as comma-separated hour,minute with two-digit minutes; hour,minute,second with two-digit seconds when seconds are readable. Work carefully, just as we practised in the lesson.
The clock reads 10,07
